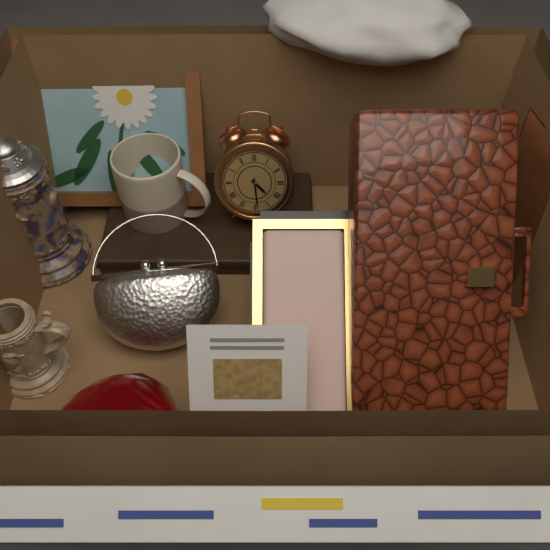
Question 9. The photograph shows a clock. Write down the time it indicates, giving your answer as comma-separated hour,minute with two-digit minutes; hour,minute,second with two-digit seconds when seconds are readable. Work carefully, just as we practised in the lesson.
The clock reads 4,29
